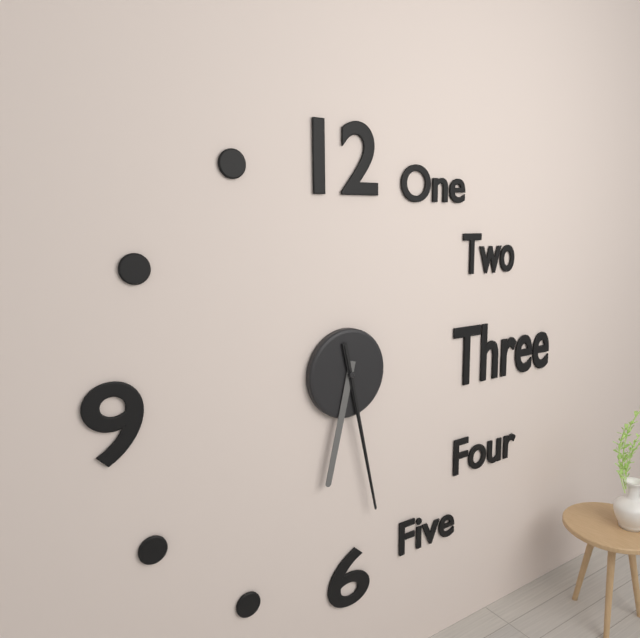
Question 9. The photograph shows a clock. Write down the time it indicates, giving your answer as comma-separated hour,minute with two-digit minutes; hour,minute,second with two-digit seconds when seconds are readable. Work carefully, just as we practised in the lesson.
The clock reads 6,28,28
